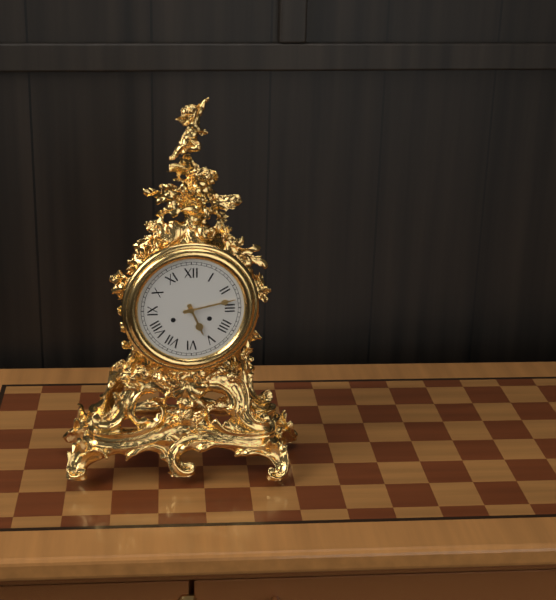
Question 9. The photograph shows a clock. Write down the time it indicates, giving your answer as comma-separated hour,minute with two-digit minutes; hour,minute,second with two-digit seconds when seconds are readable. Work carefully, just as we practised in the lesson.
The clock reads 5,13
